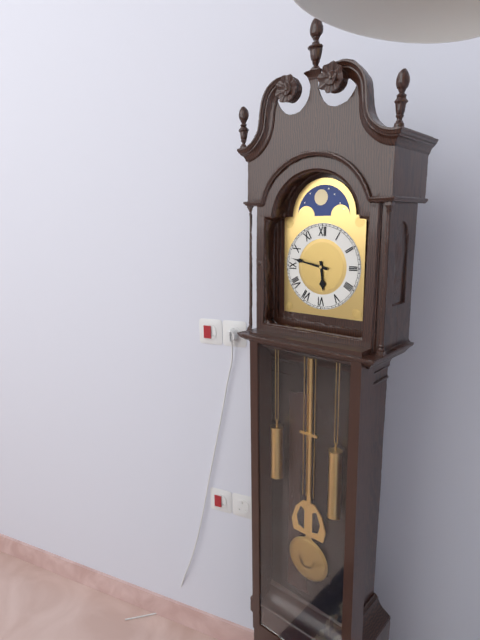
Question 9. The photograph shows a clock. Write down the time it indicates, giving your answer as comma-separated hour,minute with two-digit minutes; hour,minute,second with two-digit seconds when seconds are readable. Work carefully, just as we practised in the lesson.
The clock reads 5,47
